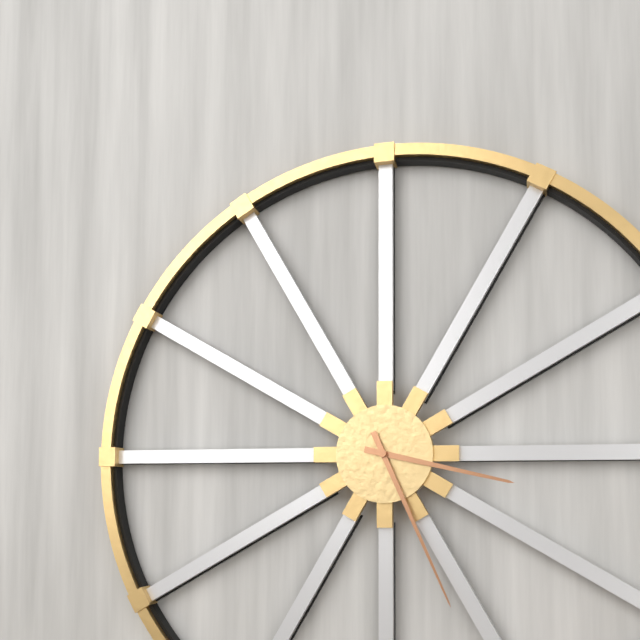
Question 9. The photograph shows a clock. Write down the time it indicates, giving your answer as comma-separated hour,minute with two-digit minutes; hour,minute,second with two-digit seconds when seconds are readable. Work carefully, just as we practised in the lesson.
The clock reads 3,26
